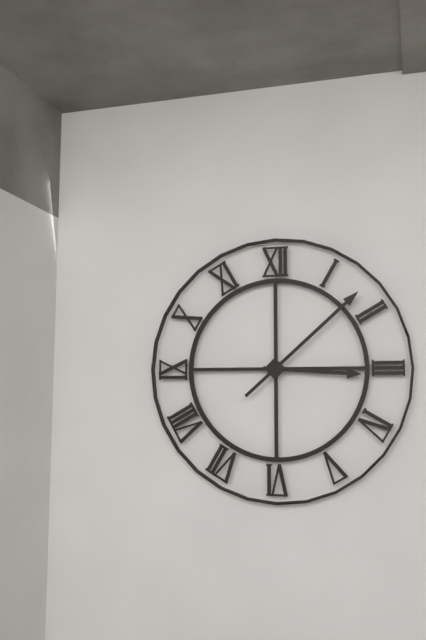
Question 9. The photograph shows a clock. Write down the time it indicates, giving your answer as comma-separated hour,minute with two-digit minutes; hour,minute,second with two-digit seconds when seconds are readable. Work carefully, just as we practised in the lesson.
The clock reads 3,08
